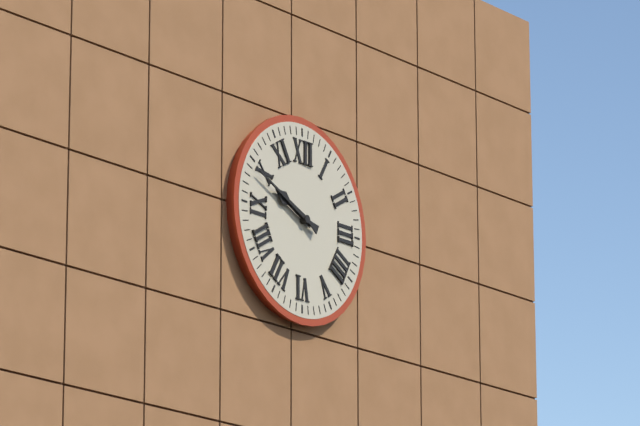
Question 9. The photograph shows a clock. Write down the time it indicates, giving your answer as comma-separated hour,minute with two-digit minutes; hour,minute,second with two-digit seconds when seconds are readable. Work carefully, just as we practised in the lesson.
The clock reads 9,49
